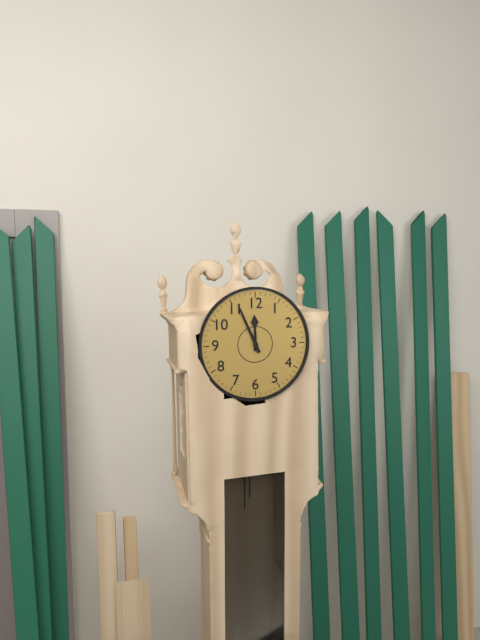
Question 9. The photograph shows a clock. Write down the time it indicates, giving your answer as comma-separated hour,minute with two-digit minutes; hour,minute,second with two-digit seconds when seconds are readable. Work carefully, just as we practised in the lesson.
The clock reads 11,56
